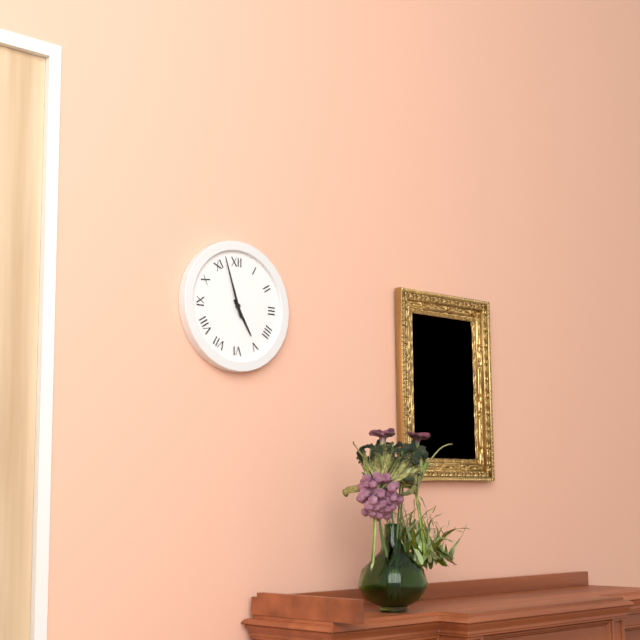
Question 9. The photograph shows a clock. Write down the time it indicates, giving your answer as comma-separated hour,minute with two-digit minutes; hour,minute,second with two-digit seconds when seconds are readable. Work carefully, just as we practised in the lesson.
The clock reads 4,57
